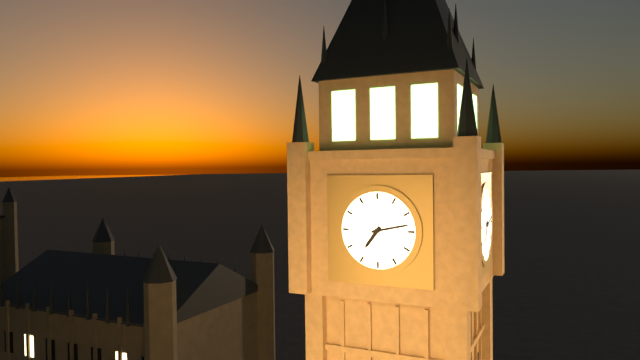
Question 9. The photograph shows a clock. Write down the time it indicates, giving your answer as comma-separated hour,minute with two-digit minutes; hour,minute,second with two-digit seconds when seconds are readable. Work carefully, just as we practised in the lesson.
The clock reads 7,13
